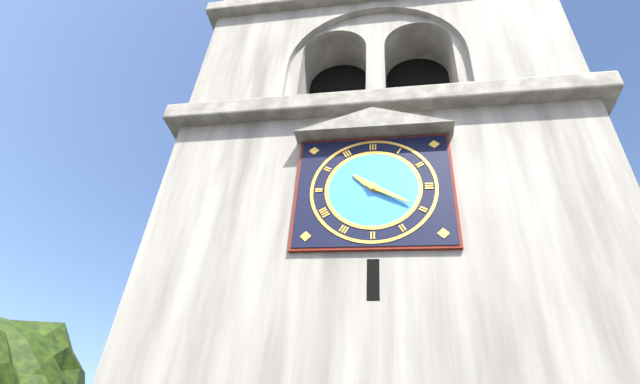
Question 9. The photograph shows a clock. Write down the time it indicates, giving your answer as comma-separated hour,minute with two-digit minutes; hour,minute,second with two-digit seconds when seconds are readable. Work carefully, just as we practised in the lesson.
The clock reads 10,20
